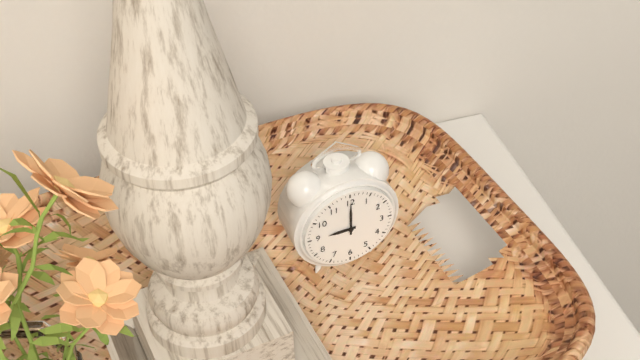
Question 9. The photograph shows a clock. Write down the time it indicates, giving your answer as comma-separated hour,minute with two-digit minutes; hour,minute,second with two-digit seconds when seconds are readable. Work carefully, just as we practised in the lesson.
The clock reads 9,00
